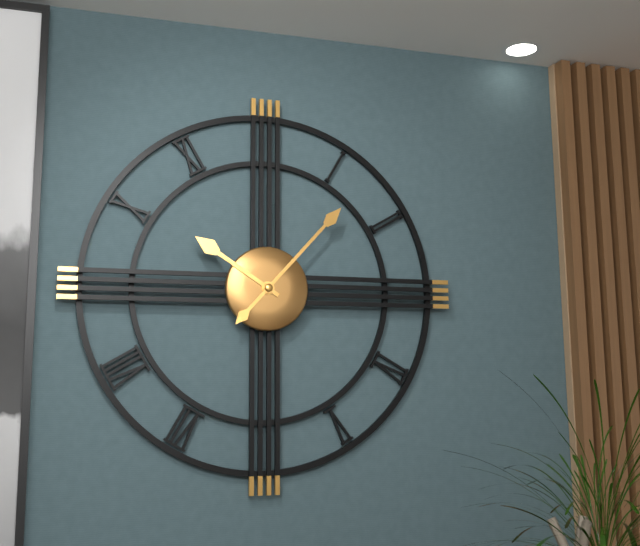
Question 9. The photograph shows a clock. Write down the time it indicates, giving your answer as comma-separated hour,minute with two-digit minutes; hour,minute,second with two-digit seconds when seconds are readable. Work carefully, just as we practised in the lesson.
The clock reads 10,07
